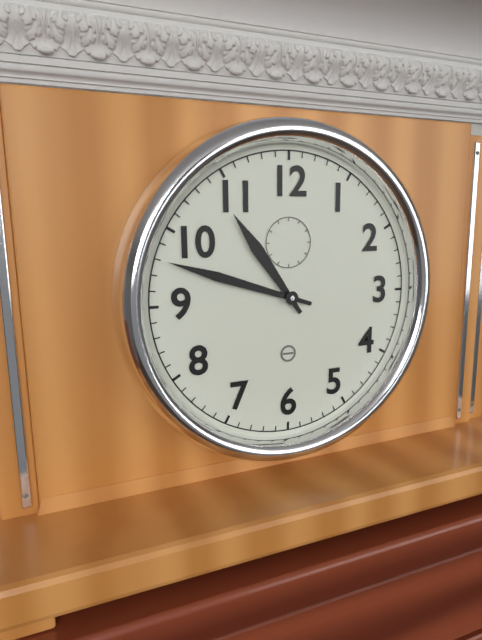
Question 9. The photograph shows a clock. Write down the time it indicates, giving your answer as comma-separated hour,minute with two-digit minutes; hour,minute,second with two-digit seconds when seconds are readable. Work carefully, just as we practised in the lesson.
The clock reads 10,48
